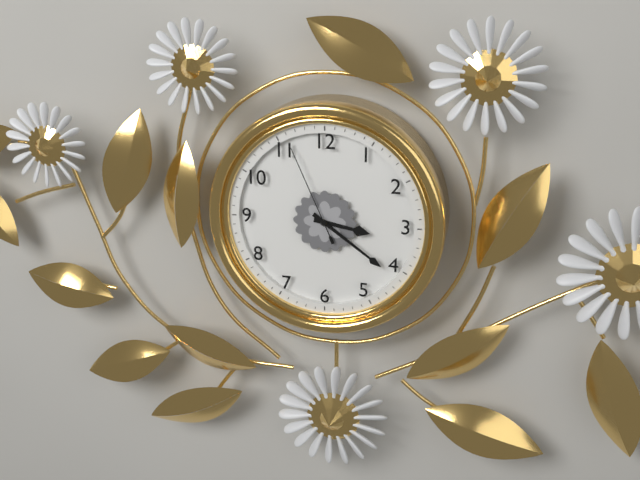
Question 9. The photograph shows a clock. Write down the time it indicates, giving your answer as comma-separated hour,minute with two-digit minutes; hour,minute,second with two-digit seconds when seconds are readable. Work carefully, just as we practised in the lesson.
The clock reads 3,21,56
